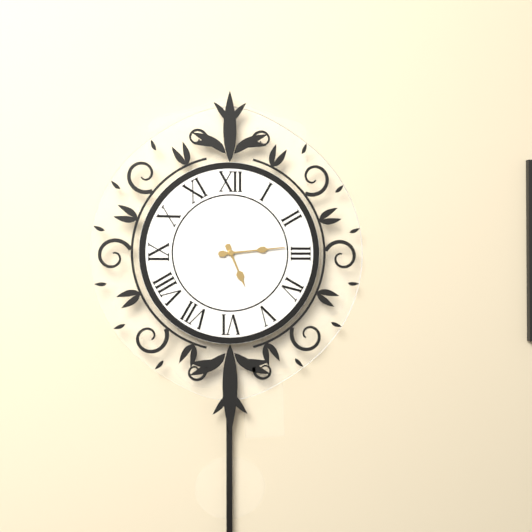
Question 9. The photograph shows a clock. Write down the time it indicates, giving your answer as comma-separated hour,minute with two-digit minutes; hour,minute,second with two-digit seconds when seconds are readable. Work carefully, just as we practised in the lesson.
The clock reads 5,14
